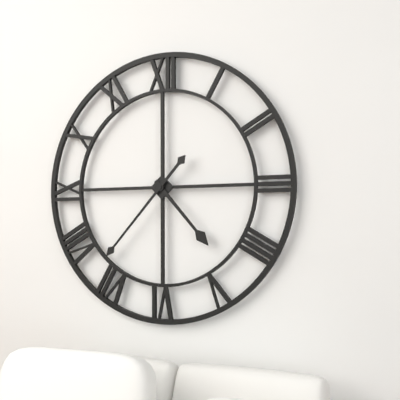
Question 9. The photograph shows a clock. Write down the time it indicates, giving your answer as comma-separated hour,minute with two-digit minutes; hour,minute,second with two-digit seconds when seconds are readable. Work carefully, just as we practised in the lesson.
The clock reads 4,37
